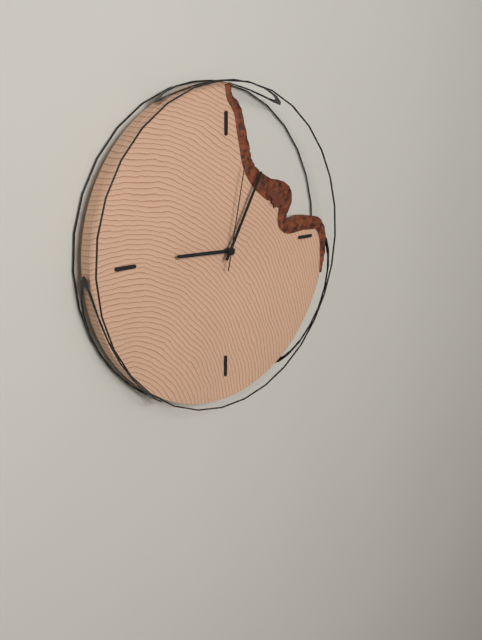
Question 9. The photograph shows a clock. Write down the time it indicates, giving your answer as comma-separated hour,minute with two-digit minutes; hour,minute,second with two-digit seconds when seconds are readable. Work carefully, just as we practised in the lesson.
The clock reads 9,05,02
